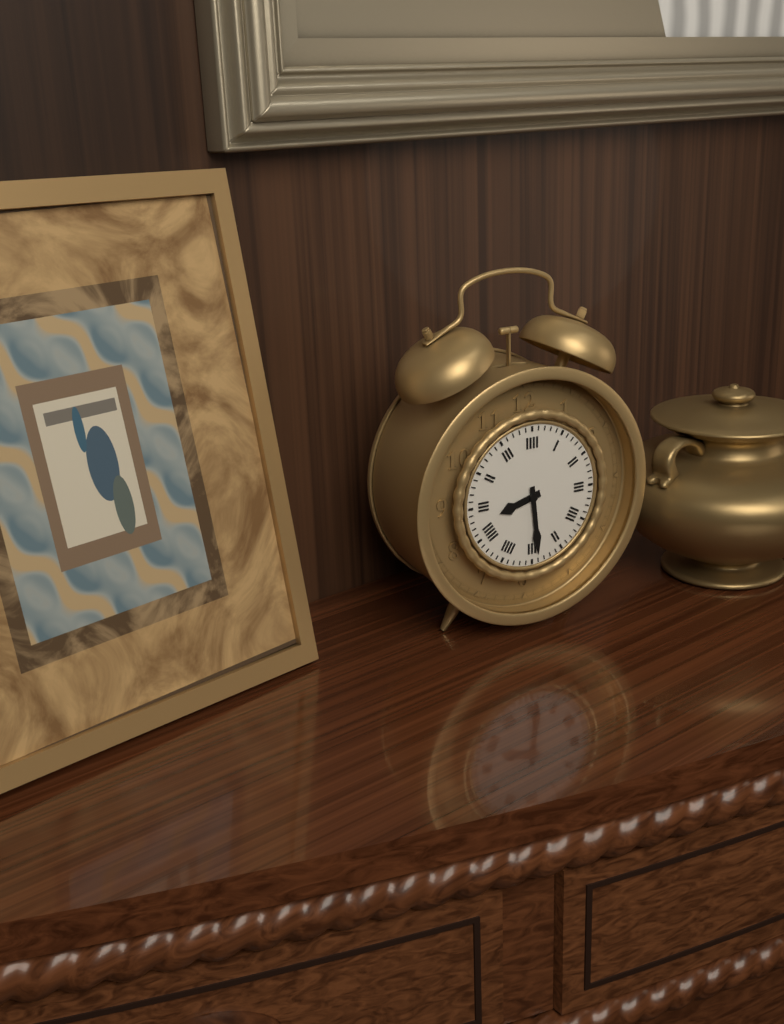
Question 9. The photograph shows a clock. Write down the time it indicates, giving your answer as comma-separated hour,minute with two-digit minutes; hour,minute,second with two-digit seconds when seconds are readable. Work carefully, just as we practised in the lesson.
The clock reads 8,29
